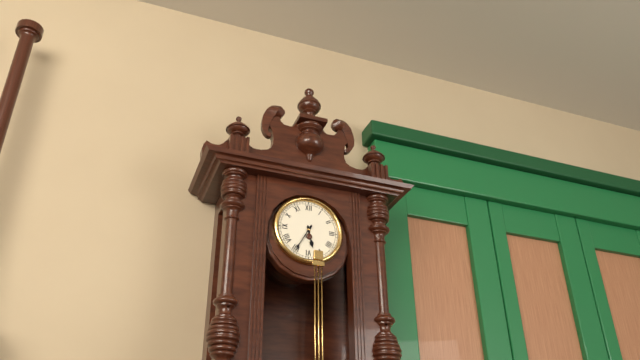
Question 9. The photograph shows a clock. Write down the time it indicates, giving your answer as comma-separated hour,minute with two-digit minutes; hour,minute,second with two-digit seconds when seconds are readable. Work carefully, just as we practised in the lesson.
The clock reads 5,35
